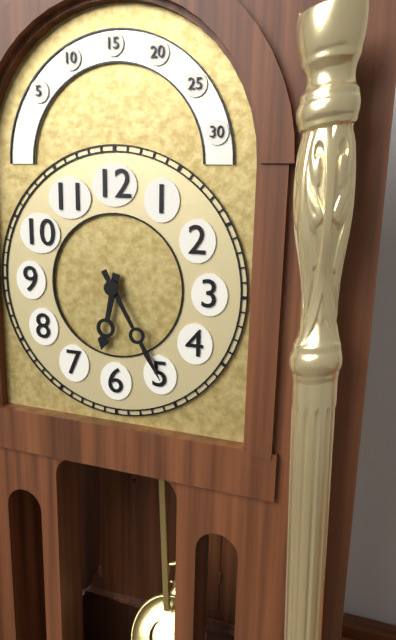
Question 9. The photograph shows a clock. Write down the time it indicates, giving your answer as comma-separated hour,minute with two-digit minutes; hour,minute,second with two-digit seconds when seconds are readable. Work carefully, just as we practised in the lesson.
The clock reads 6,25
